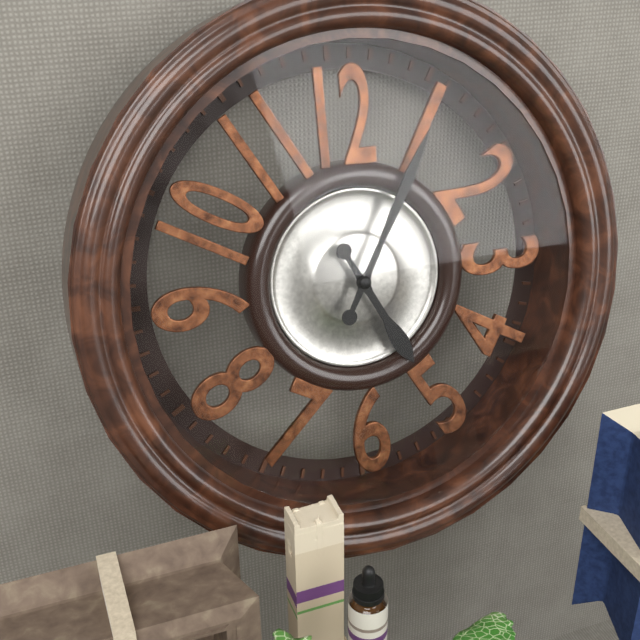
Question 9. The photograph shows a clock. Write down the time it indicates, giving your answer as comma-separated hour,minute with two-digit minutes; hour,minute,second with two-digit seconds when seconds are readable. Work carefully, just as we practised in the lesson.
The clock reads 5,05
